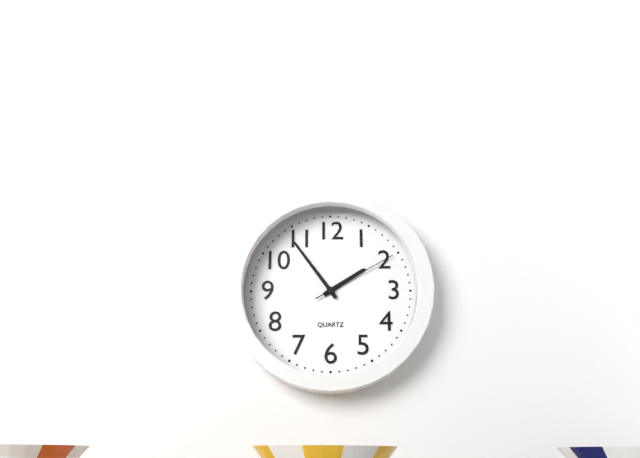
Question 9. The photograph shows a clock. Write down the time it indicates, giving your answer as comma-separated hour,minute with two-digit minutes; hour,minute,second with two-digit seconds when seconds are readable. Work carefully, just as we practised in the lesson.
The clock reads 1,54,10
